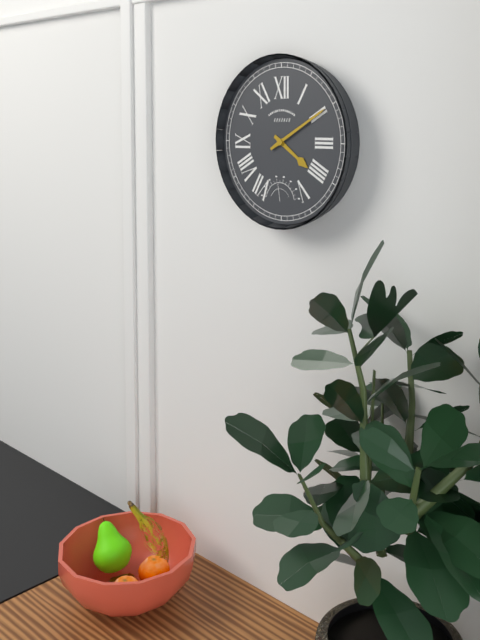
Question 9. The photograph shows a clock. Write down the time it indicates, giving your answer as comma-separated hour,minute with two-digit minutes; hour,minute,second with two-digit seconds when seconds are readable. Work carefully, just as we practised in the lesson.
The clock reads 4,10
